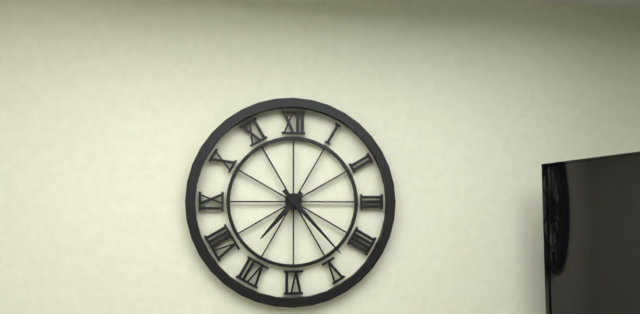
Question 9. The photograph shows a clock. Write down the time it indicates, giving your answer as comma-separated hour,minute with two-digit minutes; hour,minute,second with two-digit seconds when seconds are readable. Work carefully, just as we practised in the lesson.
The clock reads 7,23
